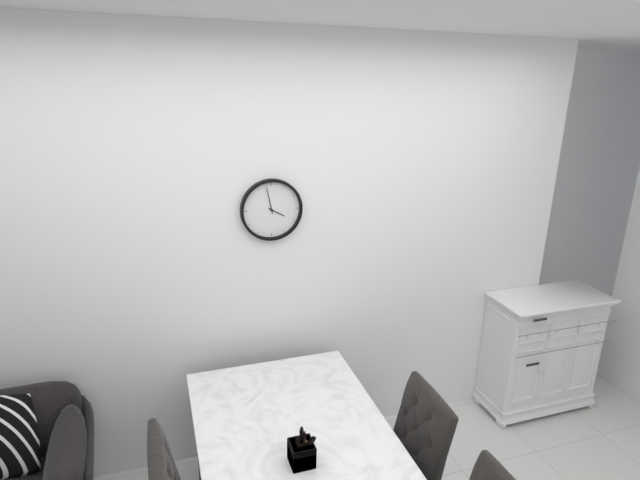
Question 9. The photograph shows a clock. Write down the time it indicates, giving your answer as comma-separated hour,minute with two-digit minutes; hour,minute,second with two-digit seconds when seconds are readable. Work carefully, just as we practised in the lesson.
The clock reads 3,58
